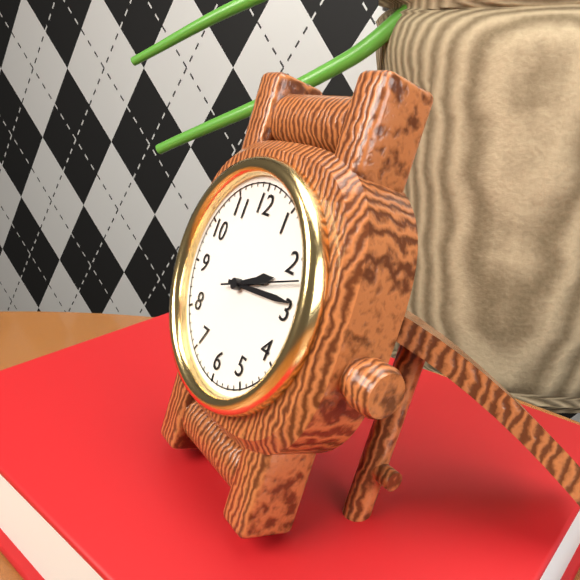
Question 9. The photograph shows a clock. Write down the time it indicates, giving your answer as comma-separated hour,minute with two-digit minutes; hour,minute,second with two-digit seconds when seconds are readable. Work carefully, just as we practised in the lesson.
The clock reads 2,14
